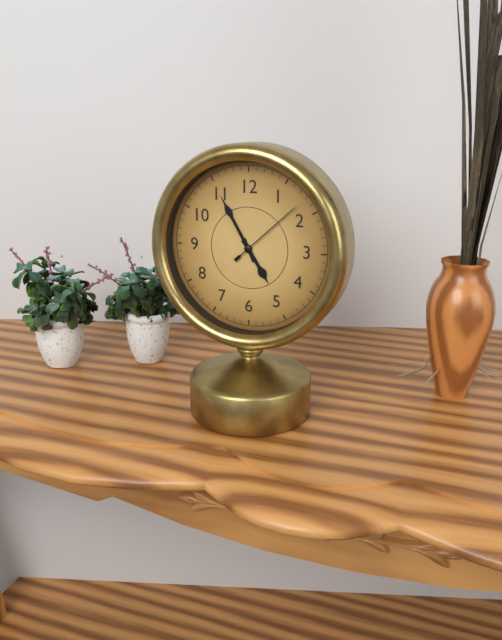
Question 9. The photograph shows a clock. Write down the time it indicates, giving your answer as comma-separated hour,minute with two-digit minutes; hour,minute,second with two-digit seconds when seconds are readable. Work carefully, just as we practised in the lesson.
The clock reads 4,55,08
